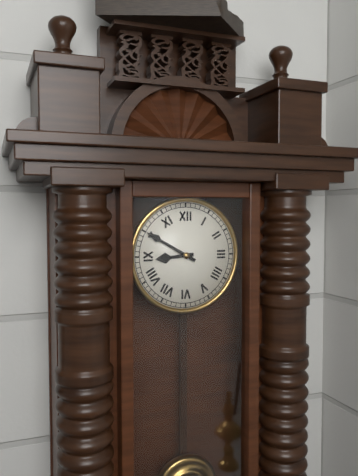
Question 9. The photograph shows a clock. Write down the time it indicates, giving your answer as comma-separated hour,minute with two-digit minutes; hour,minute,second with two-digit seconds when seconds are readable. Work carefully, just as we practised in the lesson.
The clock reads 8,50
